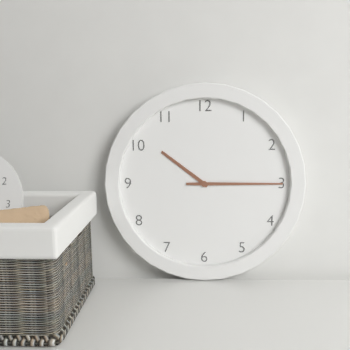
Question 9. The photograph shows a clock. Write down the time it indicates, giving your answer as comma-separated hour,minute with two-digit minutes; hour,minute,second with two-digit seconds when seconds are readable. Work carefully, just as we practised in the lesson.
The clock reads 10,15
